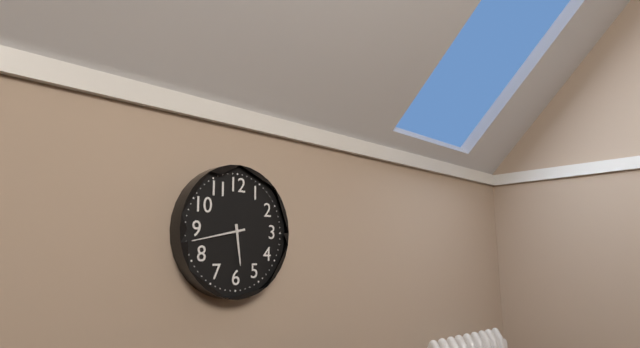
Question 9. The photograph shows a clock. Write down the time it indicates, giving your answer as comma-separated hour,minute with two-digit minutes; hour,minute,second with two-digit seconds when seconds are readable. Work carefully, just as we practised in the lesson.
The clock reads 5,43
